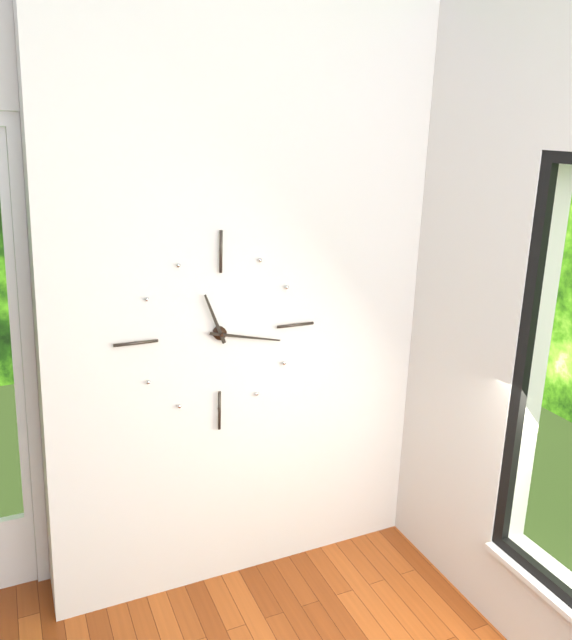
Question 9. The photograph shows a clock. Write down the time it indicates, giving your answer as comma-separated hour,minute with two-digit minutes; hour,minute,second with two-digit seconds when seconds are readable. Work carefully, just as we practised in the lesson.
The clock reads 11,17
